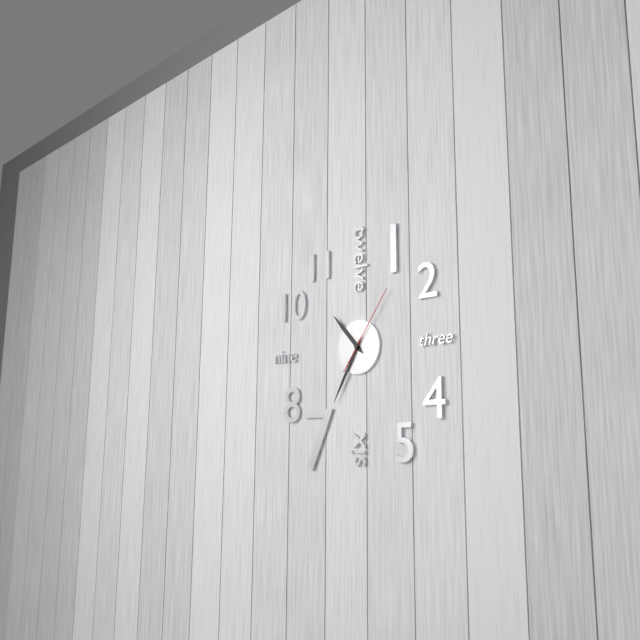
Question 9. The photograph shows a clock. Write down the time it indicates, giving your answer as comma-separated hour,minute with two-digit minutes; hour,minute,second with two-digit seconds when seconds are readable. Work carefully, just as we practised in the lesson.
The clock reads 10,35,06
